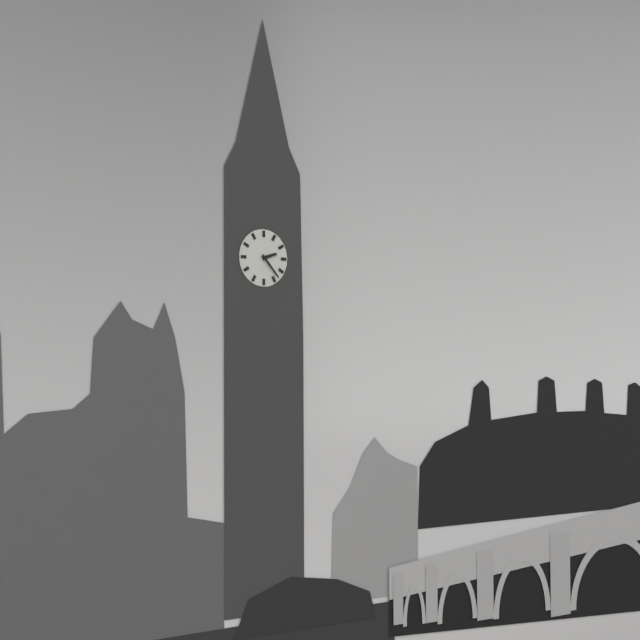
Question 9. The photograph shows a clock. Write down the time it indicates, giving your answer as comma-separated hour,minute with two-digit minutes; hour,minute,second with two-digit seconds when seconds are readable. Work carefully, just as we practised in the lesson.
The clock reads 2,23
